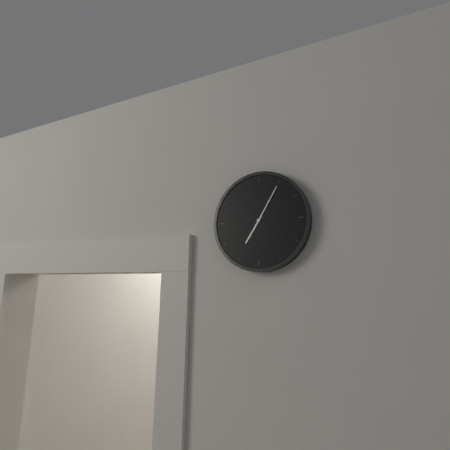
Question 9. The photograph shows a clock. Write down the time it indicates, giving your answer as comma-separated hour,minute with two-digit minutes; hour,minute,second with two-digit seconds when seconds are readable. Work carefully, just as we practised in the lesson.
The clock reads 7,05
